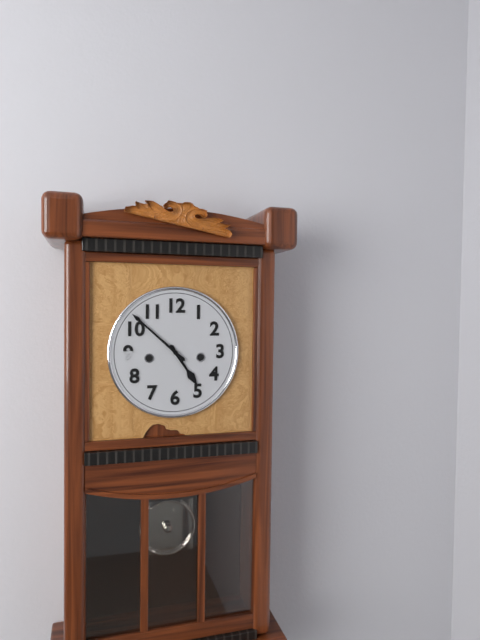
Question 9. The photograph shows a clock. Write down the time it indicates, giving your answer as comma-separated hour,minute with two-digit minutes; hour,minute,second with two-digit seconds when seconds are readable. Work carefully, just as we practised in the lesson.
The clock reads 4,52
